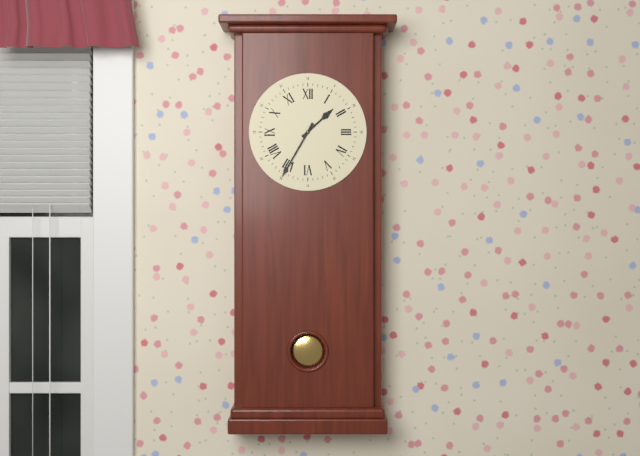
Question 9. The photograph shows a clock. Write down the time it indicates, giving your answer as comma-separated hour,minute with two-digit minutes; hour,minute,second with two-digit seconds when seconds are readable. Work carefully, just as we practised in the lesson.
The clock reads 1,35
